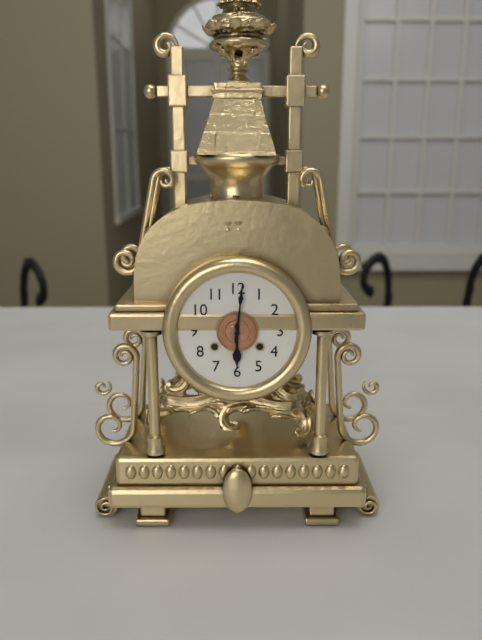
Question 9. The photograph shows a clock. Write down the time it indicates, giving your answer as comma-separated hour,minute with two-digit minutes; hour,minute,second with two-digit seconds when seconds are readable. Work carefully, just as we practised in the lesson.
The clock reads 6,01
